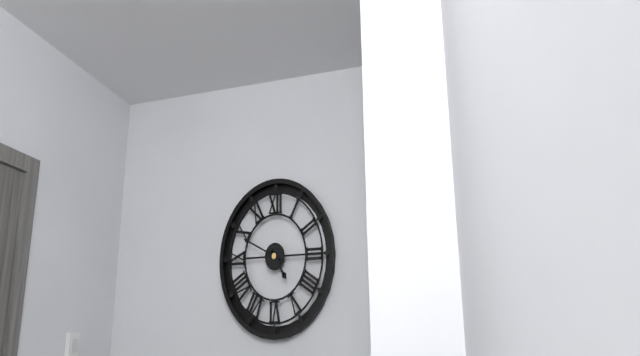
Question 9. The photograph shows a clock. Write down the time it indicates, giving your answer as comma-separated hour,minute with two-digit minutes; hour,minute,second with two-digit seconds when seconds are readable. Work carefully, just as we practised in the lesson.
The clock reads 4,49
